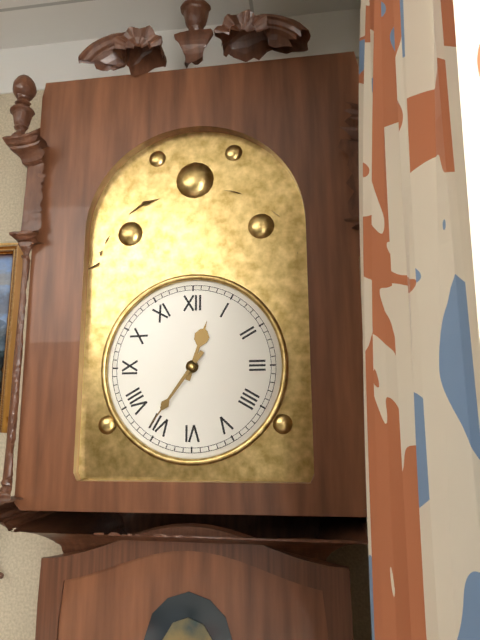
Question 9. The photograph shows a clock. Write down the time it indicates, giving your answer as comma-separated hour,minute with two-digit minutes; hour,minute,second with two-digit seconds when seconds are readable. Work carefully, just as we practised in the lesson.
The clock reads 12,36
